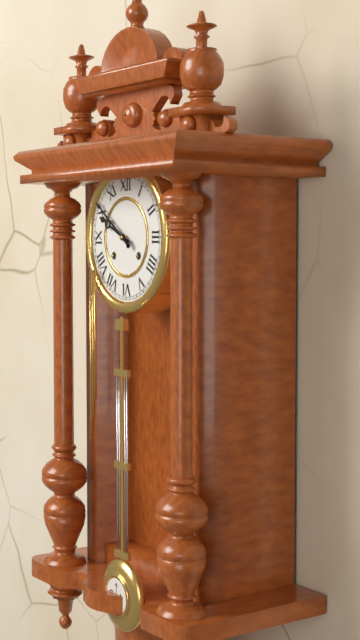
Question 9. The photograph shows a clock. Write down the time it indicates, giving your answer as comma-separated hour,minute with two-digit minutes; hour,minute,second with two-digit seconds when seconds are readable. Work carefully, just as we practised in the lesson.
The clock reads 9,51
